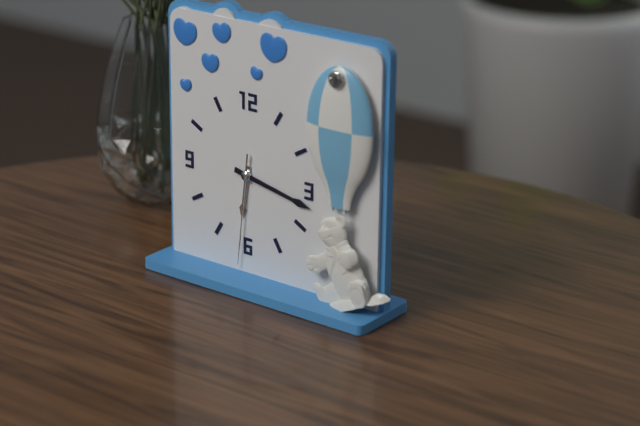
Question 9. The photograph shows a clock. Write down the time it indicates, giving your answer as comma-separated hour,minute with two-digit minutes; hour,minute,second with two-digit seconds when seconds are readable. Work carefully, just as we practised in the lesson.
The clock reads 6,17,31
